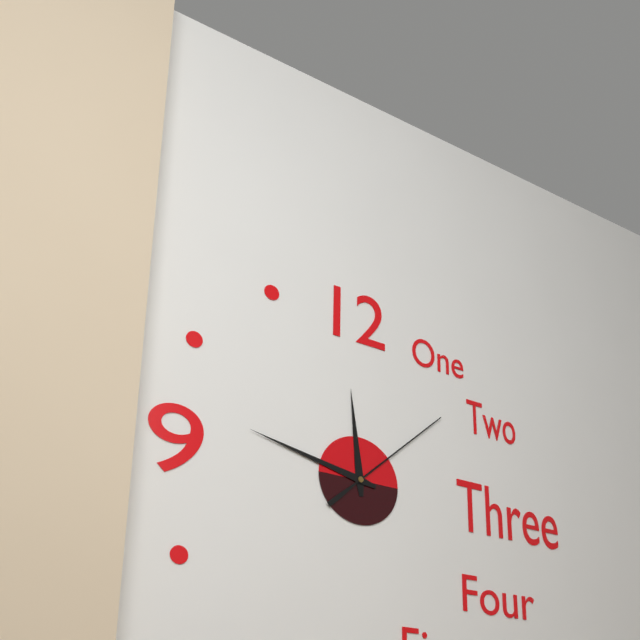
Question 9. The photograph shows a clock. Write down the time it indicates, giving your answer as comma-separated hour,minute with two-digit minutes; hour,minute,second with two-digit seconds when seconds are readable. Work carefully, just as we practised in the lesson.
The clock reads 11,47,08
